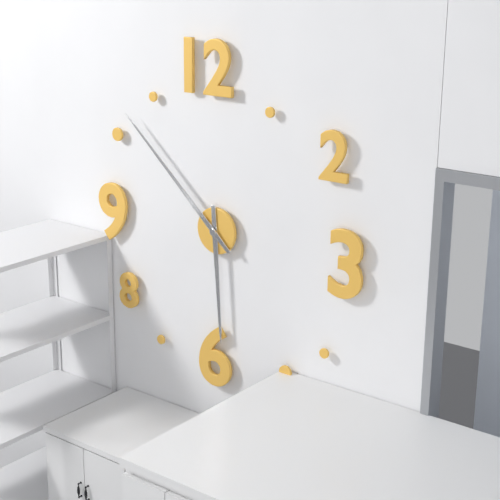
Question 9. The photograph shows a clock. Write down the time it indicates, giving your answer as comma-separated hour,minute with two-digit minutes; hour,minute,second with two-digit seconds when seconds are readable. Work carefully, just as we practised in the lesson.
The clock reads 5,52
